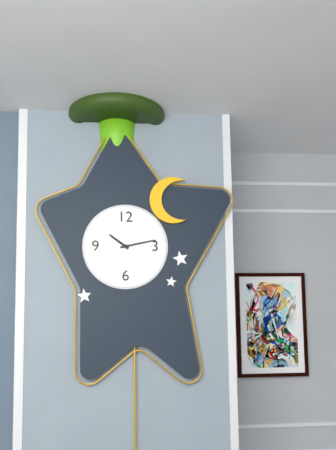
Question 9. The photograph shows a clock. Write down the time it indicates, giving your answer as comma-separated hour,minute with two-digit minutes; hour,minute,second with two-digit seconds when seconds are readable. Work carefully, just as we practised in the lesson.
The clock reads 10,13
